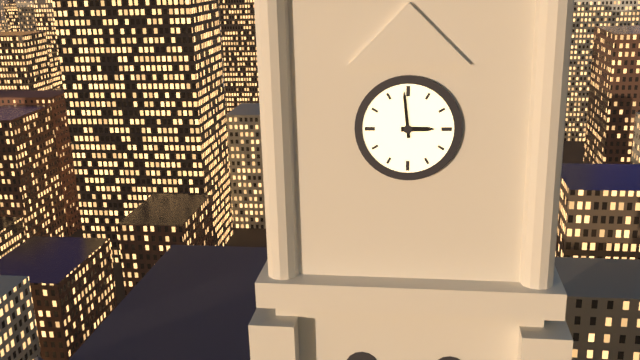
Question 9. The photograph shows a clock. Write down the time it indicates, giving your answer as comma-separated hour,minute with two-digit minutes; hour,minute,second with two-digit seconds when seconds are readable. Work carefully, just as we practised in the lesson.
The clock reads 2,59
